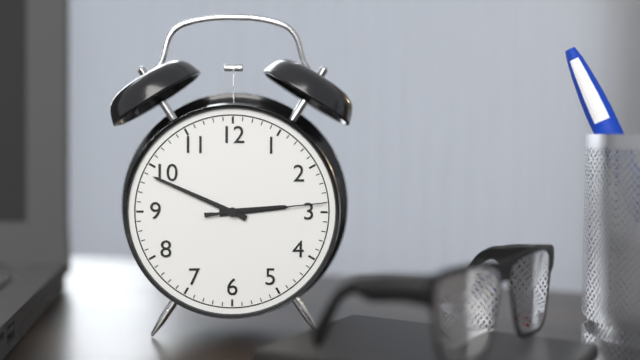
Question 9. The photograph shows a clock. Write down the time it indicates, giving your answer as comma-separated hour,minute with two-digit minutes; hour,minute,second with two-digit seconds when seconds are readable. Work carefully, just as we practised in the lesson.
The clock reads 2,49,14
